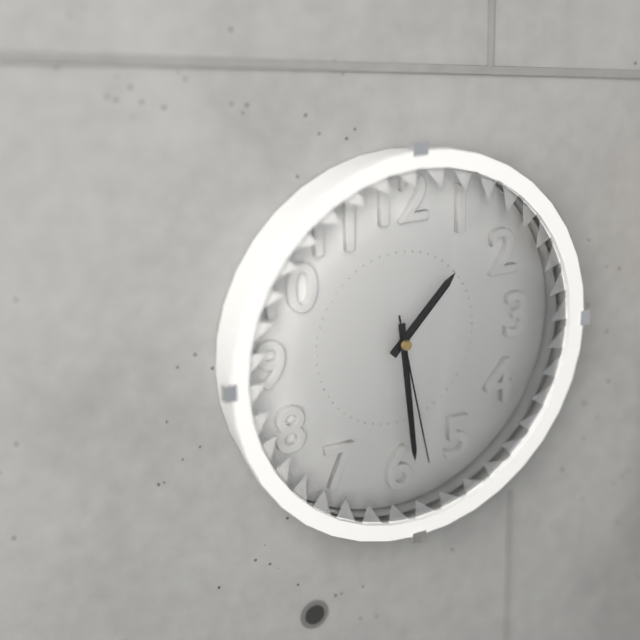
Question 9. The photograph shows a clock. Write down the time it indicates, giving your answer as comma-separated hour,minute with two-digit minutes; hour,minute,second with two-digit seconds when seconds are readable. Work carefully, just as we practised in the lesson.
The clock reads 1,29,28
